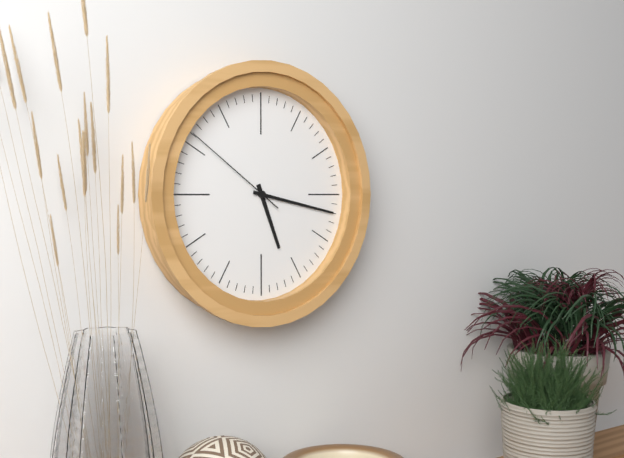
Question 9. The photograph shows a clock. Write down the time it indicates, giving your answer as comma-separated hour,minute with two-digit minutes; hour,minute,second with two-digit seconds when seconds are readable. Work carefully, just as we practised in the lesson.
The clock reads 5,17,51
